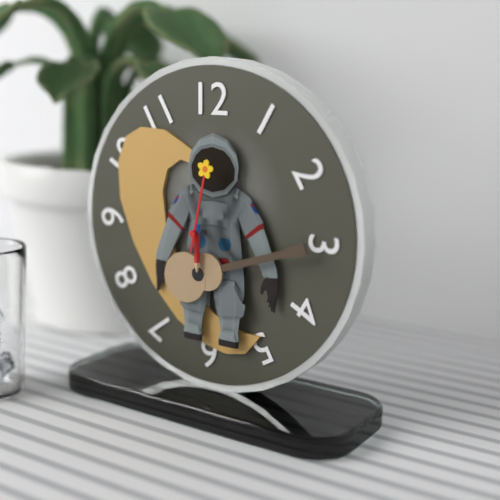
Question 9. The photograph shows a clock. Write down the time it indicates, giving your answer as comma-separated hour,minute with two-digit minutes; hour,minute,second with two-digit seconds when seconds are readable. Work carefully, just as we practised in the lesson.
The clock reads 6,02
